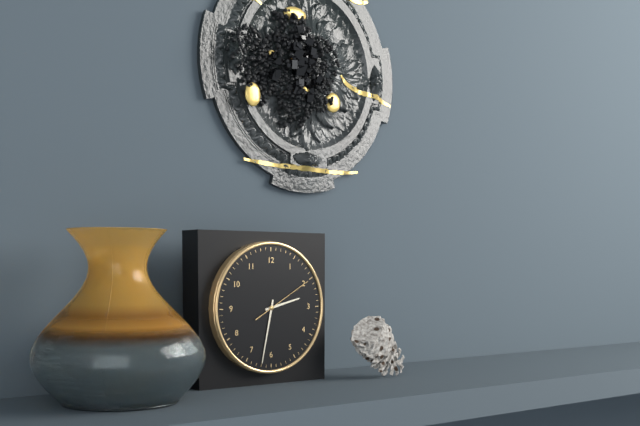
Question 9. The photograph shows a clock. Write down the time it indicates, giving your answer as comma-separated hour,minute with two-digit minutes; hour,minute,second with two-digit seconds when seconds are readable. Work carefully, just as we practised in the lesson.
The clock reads 2,32,10
